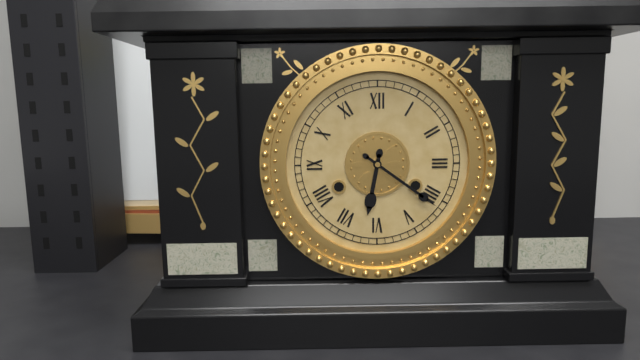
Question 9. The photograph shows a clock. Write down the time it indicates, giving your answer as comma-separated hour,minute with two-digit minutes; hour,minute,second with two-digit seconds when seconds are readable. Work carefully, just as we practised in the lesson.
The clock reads 6,21
